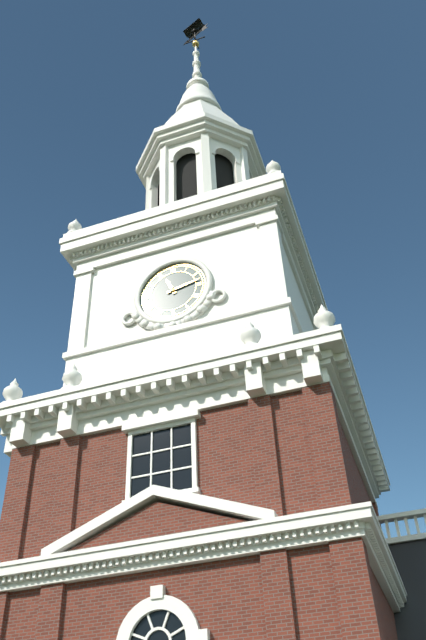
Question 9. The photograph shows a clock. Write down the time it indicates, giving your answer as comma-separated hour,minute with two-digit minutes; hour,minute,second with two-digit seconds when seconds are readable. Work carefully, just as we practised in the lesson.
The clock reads 11,13
